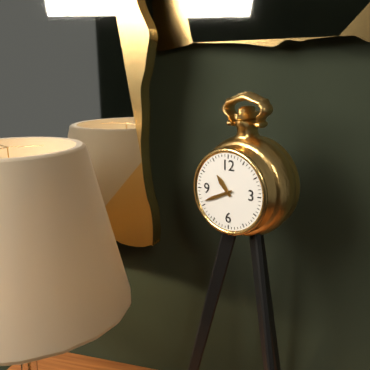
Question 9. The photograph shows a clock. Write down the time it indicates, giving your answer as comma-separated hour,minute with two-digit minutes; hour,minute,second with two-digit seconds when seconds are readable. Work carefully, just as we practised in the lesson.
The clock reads 10,41
